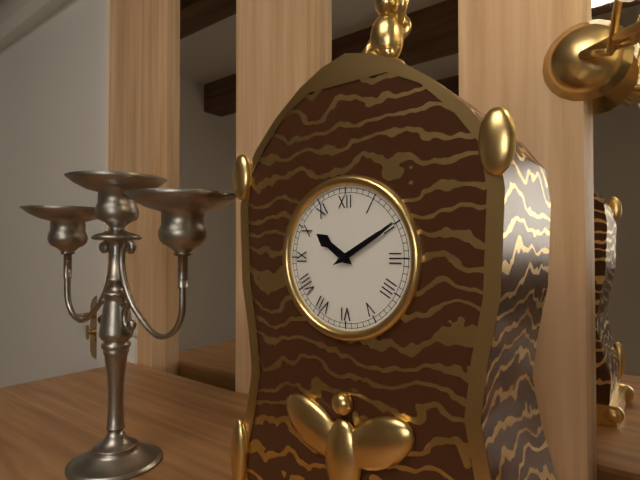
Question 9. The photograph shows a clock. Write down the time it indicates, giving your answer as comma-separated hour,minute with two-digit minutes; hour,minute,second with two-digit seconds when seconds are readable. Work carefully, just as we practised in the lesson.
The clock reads 10,10
